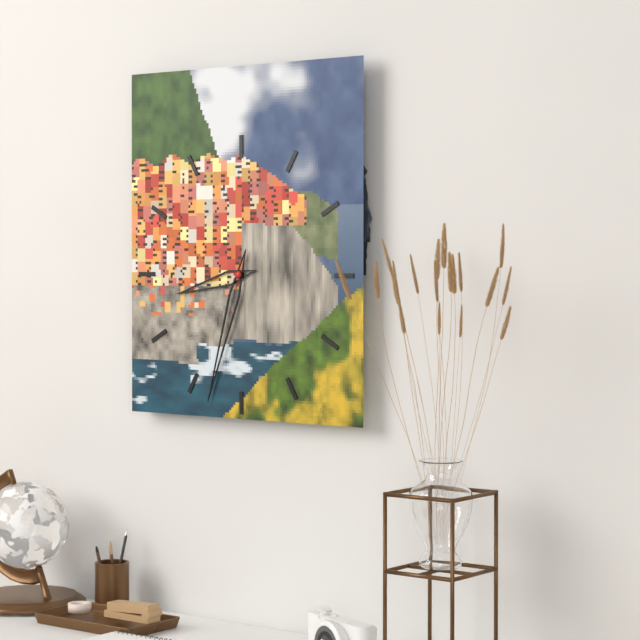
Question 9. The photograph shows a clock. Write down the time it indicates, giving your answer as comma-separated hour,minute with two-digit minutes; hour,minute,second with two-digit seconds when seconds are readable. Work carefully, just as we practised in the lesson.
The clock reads 8,33
